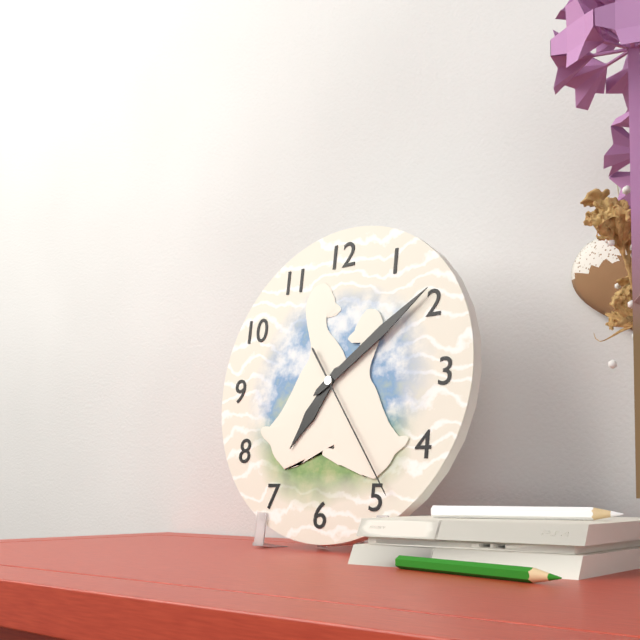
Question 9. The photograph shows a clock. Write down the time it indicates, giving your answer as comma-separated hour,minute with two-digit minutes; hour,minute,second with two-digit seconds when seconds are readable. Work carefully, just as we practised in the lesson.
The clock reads 7,09,24
